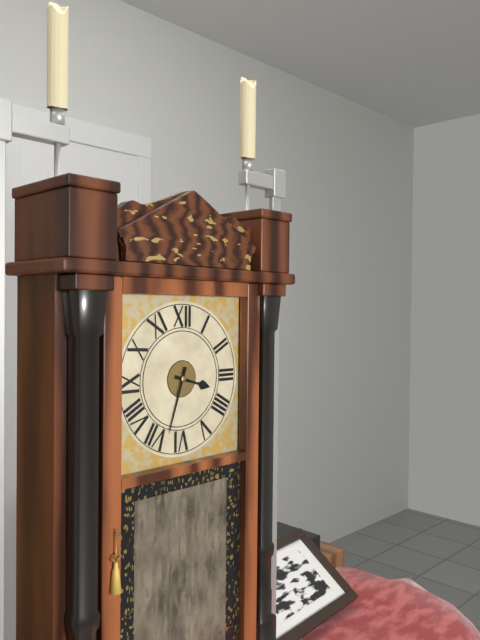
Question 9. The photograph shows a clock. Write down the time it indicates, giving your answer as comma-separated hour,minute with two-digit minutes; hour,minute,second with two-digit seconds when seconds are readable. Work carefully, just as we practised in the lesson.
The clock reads 3,33
